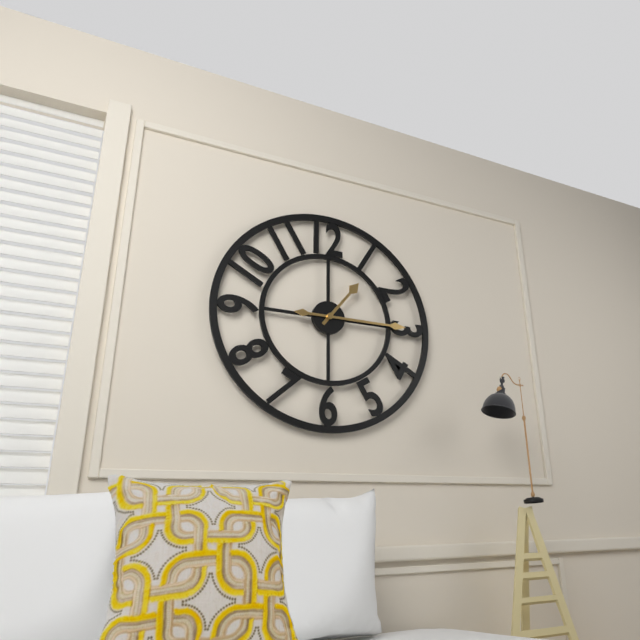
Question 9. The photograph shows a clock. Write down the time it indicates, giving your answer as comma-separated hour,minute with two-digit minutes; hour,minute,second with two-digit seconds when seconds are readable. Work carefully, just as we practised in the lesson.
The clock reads 1,15
